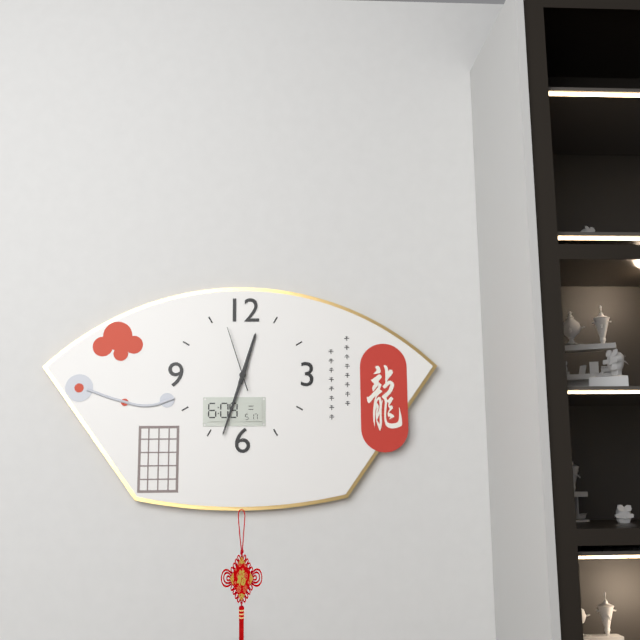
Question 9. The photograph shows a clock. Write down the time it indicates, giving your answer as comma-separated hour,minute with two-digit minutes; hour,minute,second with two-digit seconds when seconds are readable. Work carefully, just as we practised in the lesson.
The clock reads 12,33,57
